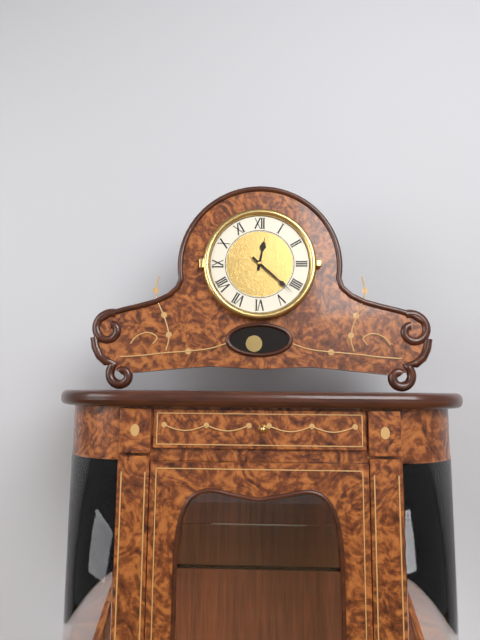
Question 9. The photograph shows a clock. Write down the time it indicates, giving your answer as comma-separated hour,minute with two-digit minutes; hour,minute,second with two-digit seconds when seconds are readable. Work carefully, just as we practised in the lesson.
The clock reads 12,22
